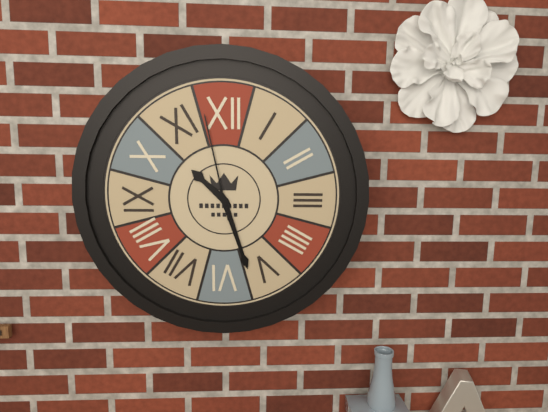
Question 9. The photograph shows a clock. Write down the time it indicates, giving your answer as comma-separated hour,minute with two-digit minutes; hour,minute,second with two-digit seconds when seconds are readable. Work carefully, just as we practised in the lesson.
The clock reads 10,27,58
